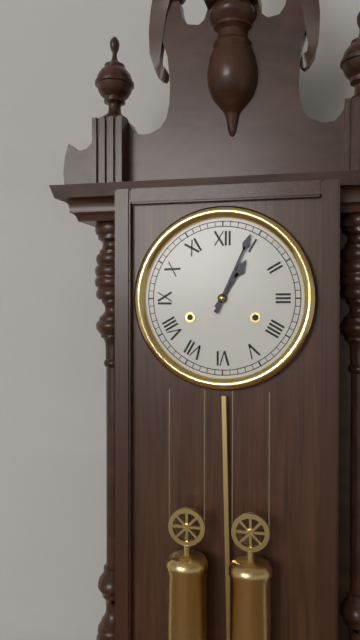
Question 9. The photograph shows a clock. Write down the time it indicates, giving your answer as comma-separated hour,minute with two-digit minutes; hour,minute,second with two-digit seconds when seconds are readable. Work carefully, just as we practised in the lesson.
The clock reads 1,04
